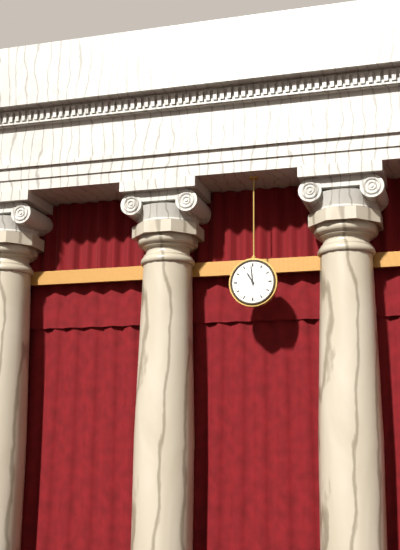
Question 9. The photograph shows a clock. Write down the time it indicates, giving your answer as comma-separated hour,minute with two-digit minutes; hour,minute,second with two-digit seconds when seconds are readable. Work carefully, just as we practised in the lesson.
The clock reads 10,59
